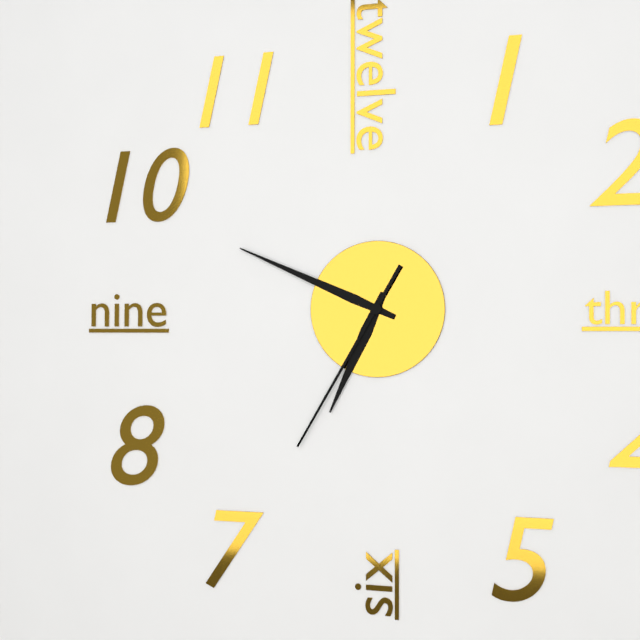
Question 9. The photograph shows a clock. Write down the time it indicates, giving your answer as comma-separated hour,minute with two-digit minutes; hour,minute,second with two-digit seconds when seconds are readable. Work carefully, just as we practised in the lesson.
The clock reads 6,49,35
